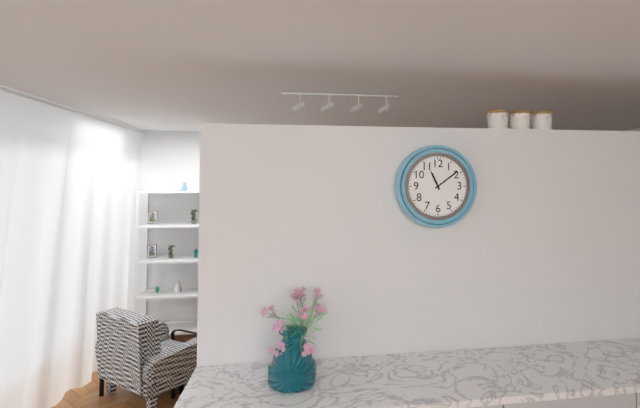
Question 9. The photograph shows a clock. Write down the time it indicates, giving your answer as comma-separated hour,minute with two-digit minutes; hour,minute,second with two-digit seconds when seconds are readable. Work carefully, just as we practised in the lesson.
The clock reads 11,09
